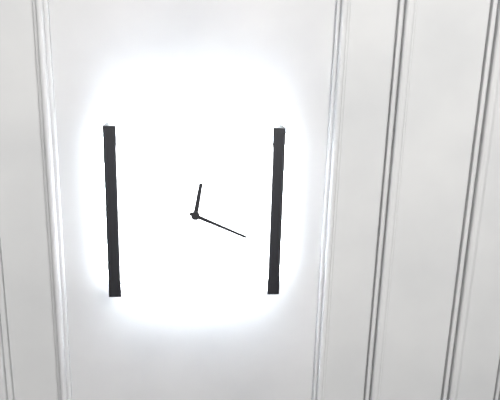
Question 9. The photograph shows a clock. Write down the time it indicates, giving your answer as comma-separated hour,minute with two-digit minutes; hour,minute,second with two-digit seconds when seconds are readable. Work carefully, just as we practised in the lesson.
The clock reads 12,19
